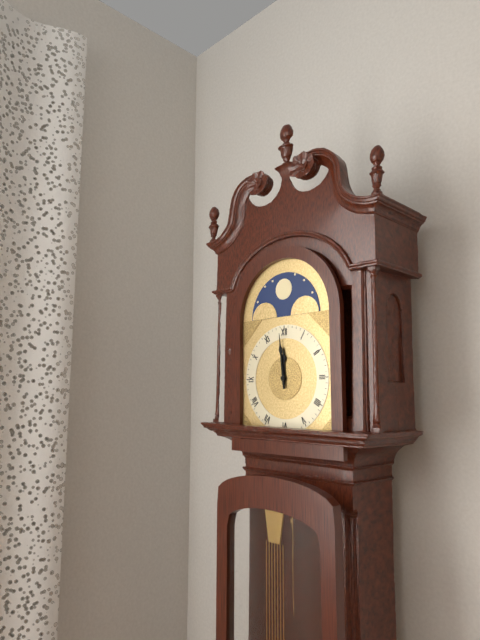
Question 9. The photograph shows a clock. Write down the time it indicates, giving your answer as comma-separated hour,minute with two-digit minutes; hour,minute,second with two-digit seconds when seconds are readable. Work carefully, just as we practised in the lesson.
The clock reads 11,59
